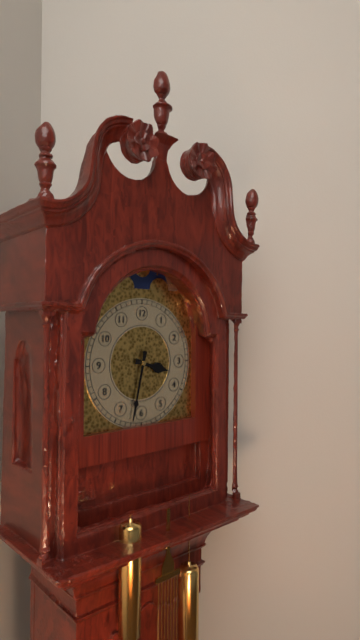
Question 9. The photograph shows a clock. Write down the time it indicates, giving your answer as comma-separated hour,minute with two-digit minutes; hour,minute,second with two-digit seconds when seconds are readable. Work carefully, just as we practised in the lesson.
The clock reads 3,32
